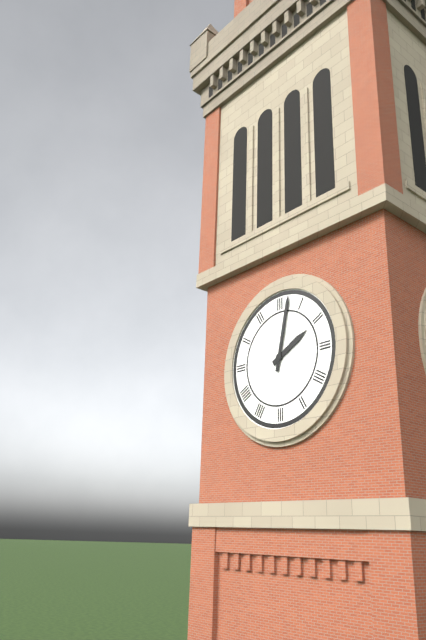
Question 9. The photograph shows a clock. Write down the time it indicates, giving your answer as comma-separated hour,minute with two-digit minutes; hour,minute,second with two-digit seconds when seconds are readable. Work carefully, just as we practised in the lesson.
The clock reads 2,02
